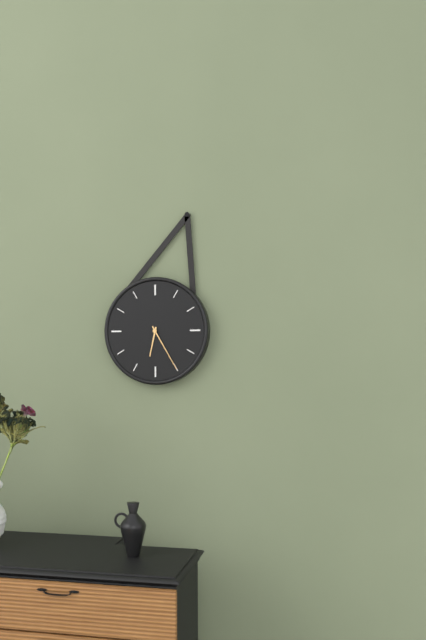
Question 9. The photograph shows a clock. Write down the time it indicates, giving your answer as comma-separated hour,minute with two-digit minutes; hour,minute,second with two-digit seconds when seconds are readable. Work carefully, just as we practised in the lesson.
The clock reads 6,25
